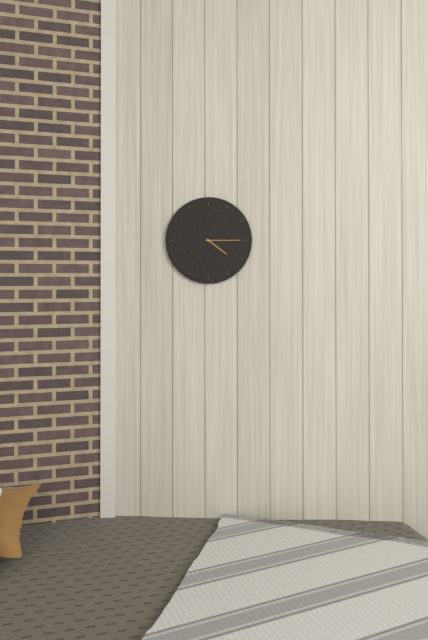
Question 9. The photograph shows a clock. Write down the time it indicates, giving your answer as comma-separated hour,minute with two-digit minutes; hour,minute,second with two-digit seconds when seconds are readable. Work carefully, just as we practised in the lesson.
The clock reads 4,15
